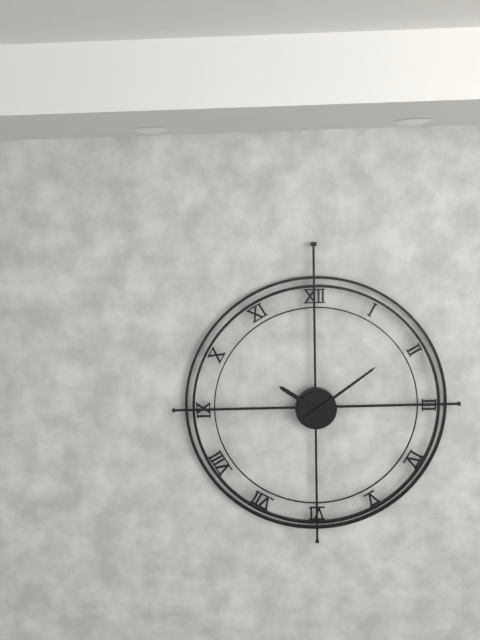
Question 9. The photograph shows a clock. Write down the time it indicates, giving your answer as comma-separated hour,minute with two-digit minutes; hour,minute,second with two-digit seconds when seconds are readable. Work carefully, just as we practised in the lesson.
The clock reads 10,09
